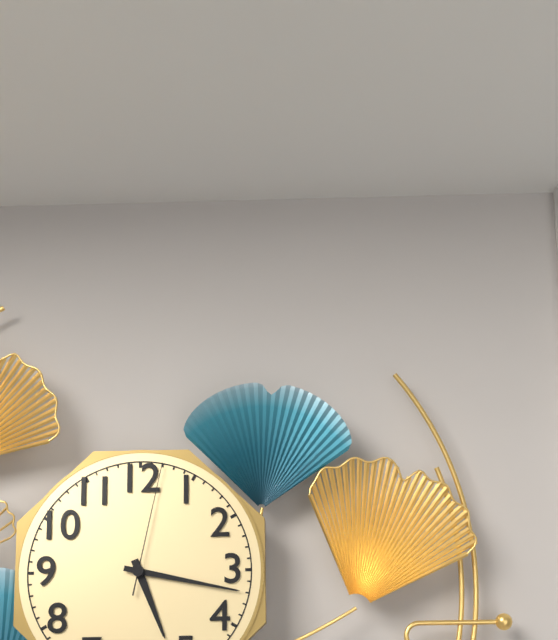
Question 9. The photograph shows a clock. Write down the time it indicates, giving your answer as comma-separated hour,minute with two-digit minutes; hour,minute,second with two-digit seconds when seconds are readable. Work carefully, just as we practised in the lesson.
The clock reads 5,17,02
